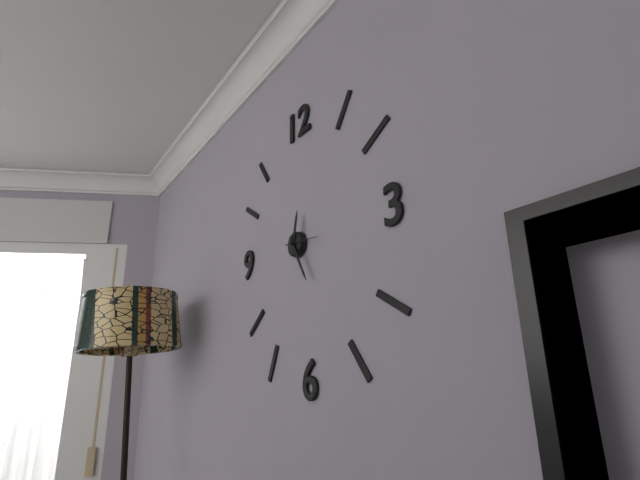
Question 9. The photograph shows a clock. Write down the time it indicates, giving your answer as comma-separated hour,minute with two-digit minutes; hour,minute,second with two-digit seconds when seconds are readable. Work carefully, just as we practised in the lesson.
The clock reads 12,25
